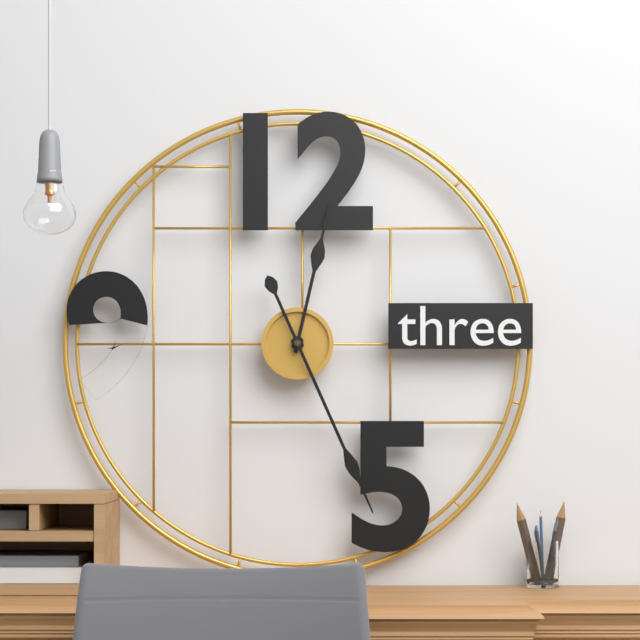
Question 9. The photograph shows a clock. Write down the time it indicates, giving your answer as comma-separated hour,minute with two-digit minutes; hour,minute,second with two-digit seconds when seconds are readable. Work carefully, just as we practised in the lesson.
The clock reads 12,26
